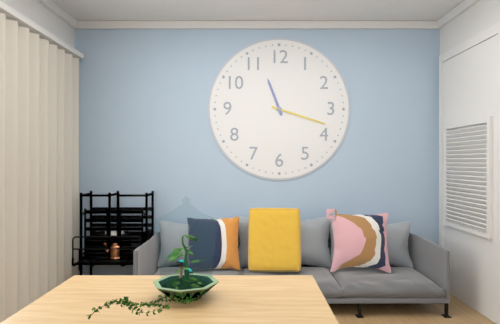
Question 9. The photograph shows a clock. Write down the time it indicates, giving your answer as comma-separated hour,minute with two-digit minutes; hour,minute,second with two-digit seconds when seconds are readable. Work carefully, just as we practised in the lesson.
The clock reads 11,18
